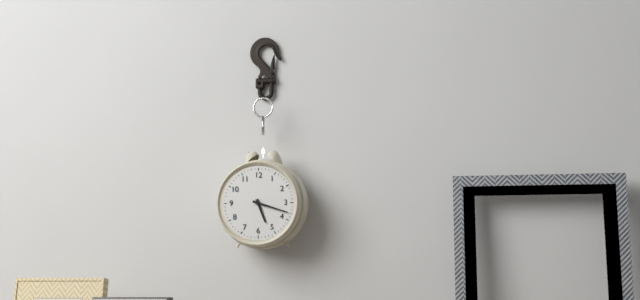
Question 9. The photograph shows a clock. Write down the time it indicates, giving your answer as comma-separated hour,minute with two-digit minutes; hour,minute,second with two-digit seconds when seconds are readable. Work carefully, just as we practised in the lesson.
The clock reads 5,18
